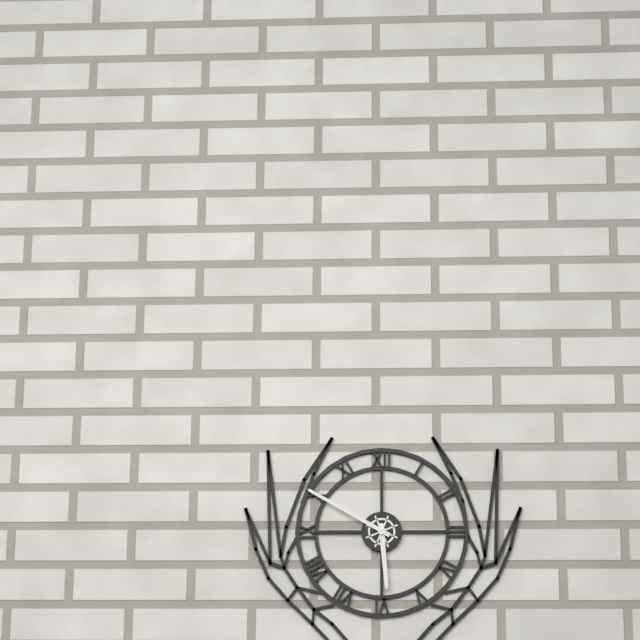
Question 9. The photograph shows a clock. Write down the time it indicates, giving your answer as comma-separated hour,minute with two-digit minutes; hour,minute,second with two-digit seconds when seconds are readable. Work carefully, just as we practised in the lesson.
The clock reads 5,50
